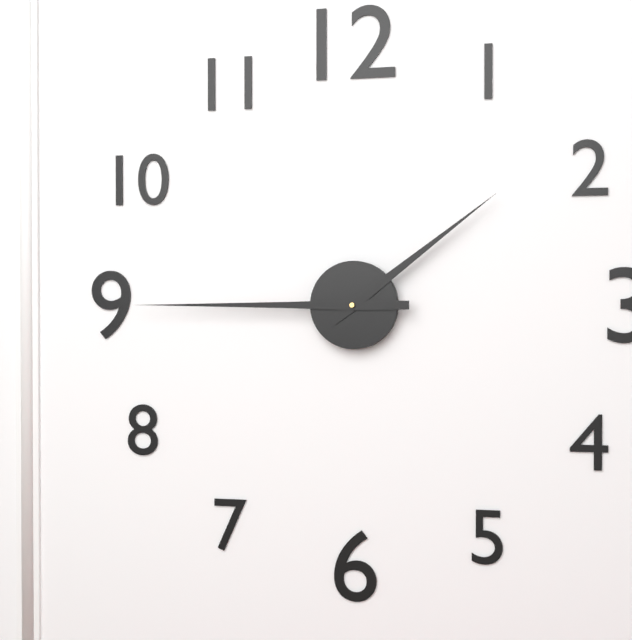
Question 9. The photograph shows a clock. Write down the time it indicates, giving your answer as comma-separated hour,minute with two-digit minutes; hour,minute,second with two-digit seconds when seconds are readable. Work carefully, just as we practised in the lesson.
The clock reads 1,45
